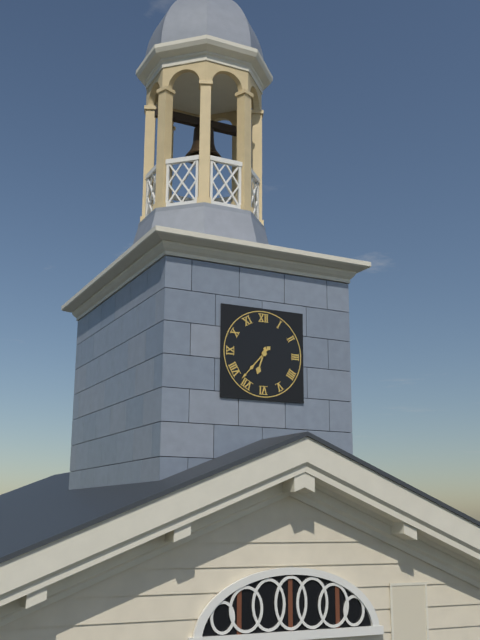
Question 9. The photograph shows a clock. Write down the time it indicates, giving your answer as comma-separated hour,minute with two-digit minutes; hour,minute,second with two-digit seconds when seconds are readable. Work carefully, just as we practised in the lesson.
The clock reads 6,37
